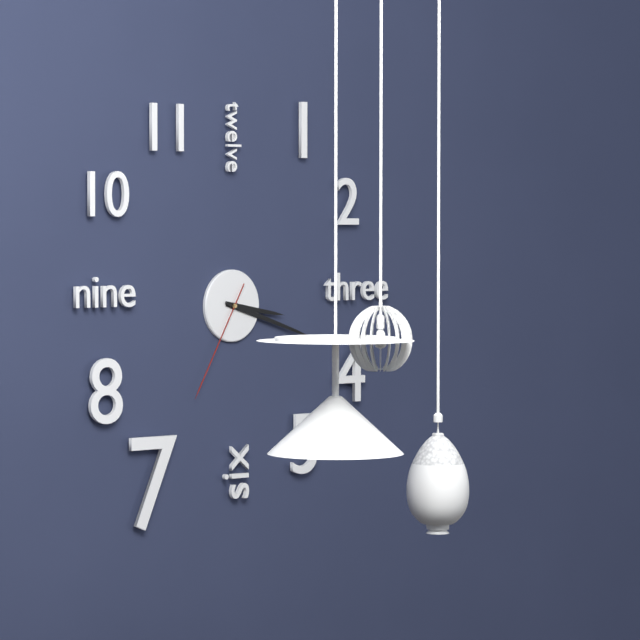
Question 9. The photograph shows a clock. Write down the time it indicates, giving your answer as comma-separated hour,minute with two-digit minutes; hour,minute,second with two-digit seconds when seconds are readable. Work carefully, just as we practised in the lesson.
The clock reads 3,18,35
